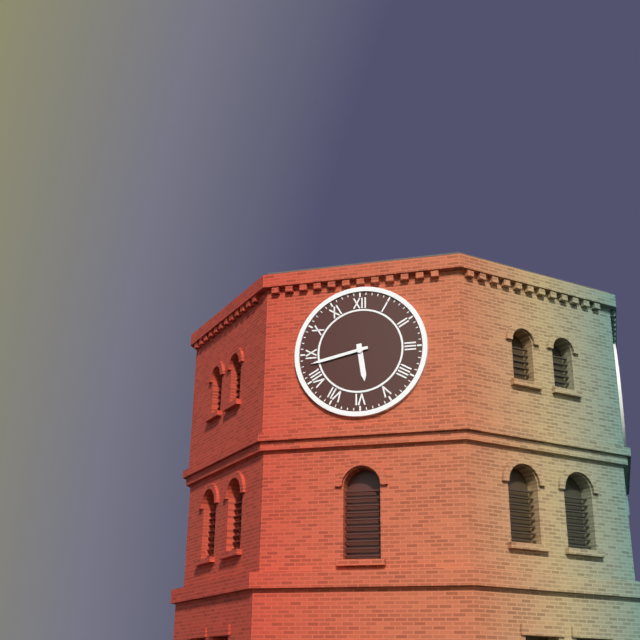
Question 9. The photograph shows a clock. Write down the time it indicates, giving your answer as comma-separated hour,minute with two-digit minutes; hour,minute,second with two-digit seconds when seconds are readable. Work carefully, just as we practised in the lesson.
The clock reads 5,43
